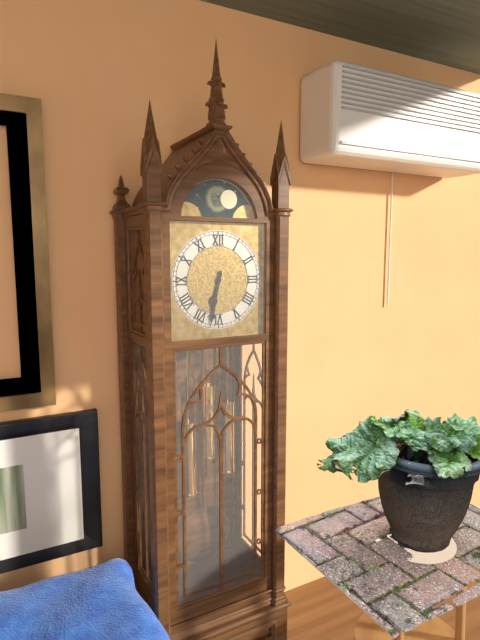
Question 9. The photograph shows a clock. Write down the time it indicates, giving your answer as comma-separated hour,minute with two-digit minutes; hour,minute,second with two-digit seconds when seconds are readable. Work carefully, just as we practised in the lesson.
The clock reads 6,32
